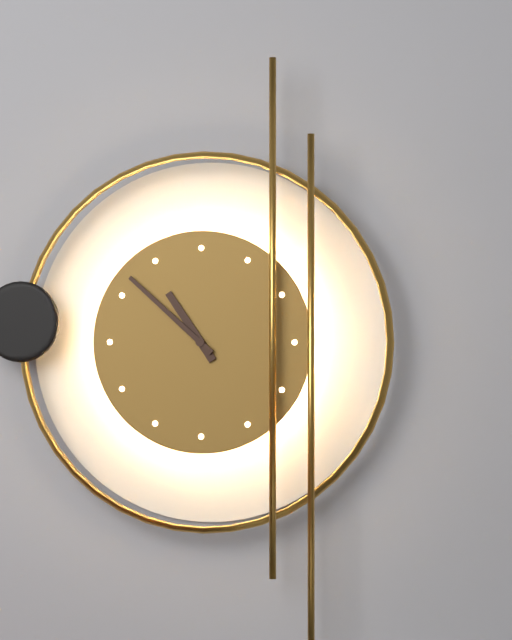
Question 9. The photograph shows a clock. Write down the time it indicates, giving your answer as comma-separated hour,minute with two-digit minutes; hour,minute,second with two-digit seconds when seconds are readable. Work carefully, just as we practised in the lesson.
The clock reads 10,52
